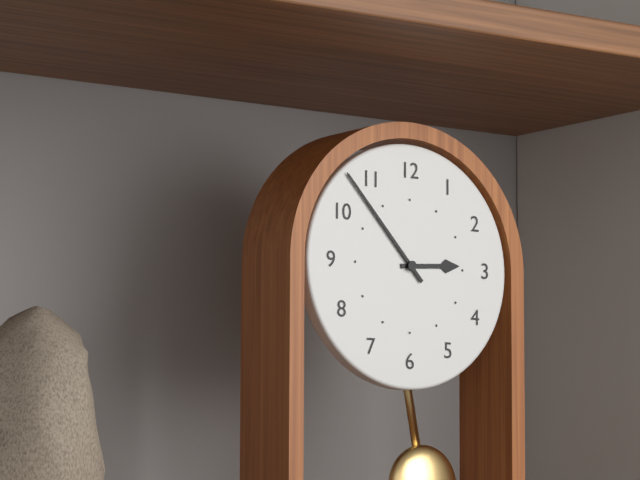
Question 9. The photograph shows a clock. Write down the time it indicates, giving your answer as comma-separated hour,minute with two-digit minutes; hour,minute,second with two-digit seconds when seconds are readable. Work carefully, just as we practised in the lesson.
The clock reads 2,53
